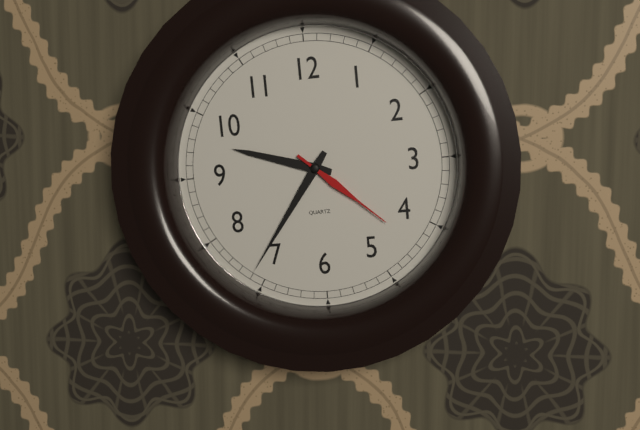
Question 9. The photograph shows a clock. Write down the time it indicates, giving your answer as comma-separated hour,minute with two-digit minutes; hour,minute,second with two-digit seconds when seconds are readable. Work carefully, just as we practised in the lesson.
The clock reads 9,36,22
